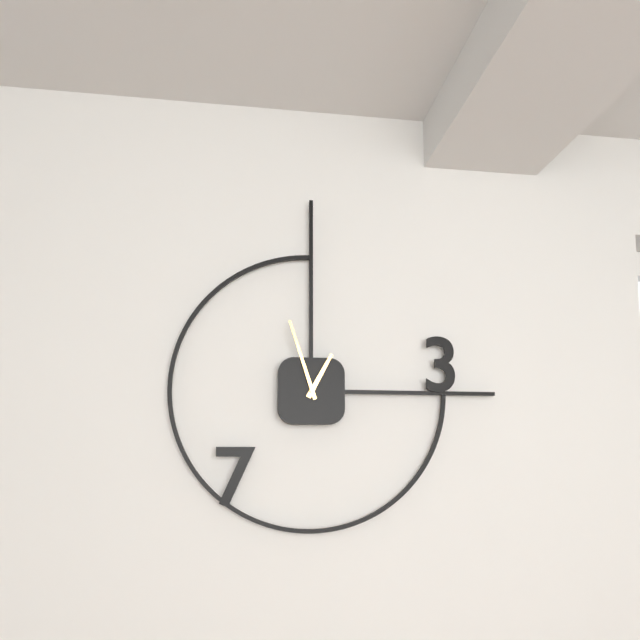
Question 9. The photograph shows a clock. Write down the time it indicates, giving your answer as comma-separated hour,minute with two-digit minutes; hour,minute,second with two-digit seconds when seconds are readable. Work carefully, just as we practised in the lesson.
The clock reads 12,57
